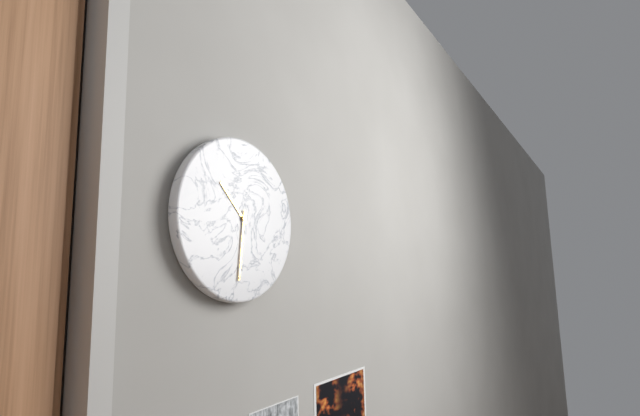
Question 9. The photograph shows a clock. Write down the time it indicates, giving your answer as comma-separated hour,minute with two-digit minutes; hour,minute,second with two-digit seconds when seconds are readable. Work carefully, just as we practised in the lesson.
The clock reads 10,31
